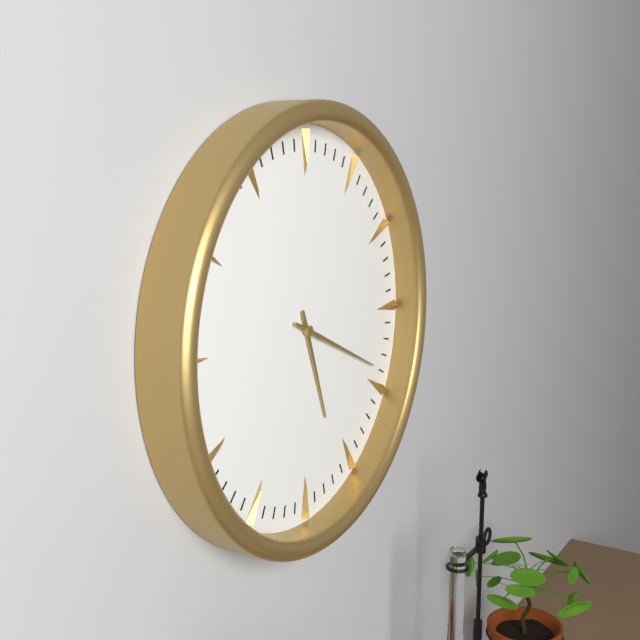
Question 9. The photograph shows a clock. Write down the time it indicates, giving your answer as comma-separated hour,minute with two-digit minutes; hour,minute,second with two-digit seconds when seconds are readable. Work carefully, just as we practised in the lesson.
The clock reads 5,19
